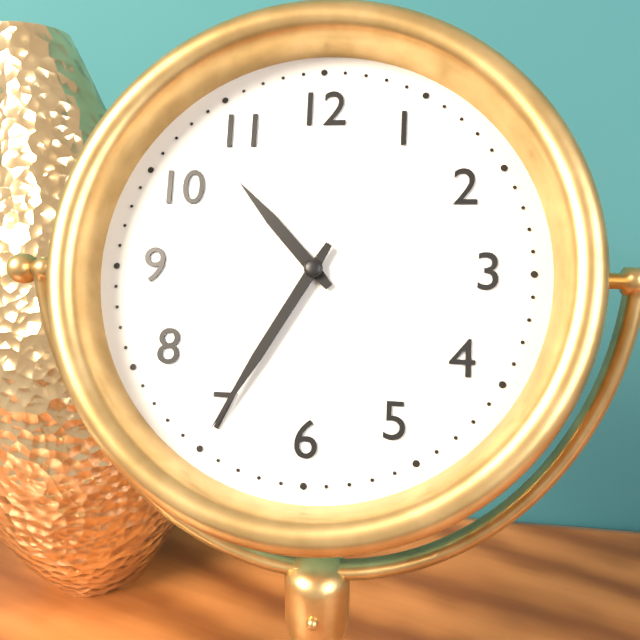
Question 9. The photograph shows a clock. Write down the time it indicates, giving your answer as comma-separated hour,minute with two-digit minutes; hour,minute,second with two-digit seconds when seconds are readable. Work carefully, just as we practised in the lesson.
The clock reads 10,35
